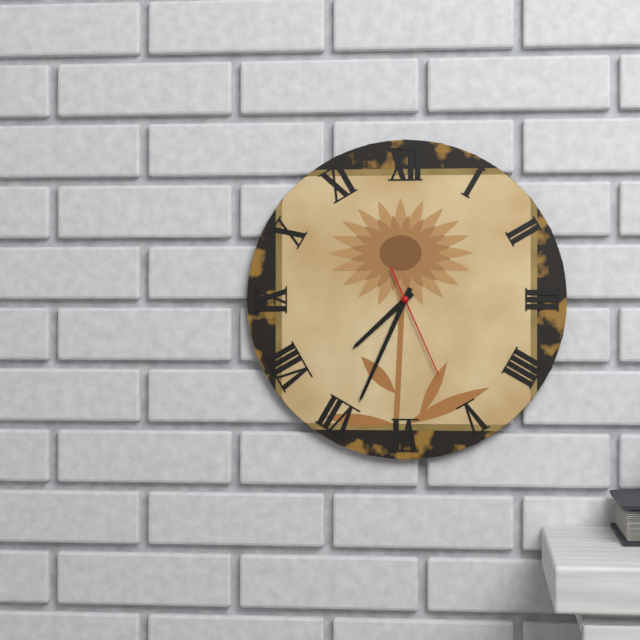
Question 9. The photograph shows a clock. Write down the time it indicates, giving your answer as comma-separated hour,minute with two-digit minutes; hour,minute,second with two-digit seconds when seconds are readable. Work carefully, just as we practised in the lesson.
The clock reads 7,34,26
